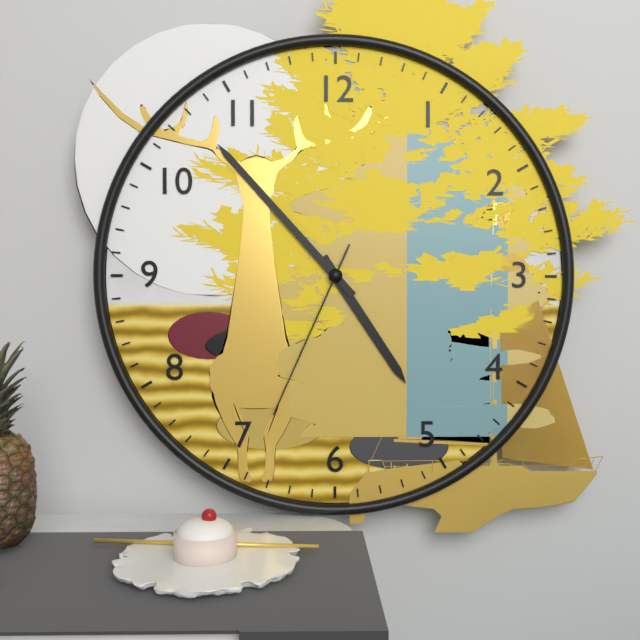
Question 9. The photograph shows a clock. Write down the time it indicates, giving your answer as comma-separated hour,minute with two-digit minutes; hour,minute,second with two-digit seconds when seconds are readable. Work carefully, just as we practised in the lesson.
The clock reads 4,53,34
